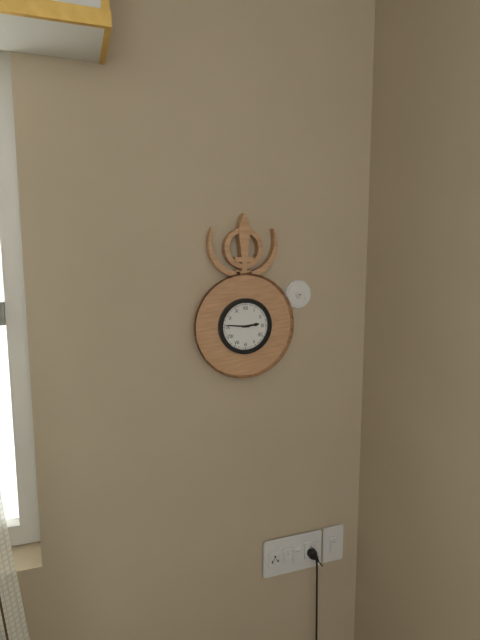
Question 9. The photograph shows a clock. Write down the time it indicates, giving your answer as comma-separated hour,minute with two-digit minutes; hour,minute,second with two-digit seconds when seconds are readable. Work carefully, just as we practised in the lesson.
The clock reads 2,46
